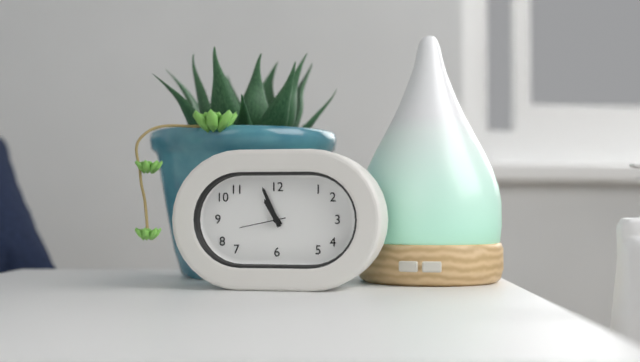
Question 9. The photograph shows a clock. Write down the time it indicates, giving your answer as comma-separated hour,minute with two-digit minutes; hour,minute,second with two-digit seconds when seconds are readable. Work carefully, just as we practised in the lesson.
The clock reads 10,56,43
